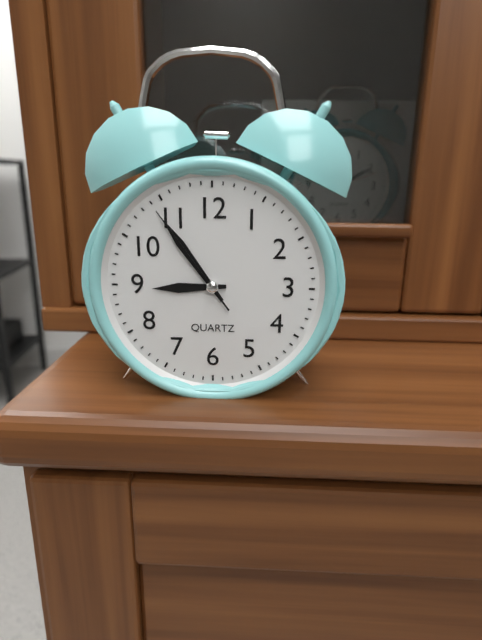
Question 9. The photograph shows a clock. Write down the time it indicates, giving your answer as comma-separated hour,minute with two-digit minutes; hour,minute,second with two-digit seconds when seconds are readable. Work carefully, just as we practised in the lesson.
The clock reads 8,54,54
